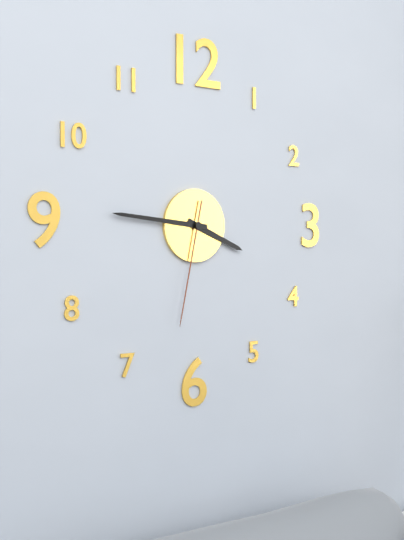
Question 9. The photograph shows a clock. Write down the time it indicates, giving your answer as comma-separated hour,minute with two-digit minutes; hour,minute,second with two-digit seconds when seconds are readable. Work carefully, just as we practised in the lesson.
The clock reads 3,46,32
